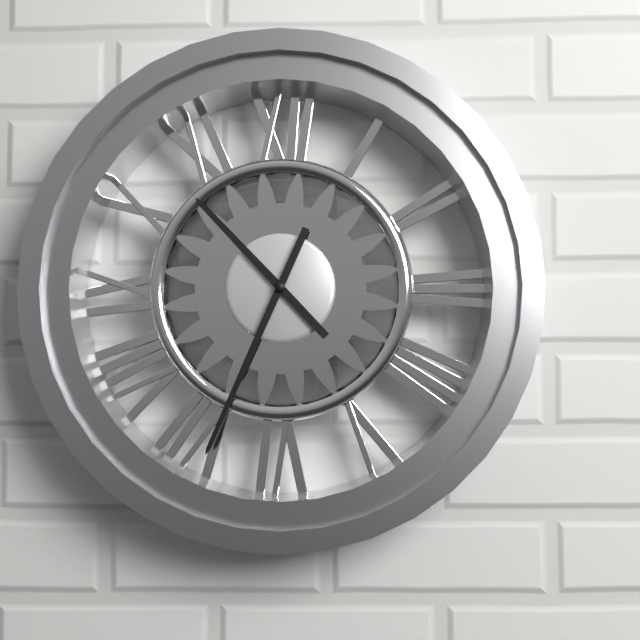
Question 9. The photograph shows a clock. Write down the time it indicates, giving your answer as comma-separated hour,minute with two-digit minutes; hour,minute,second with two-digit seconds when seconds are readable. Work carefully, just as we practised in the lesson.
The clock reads 10,34
